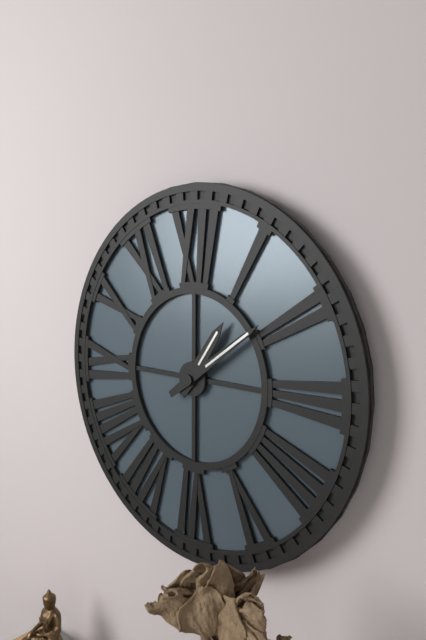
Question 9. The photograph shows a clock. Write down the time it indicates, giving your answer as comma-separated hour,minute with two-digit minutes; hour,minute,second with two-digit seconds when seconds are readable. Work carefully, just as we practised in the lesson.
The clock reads 1,09
